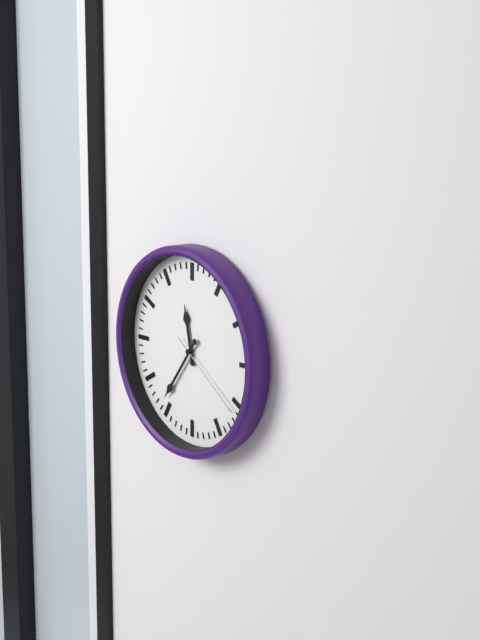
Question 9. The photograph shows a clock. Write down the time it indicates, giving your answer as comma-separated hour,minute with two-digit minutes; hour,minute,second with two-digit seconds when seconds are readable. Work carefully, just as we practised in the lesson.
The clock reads 11,36,21
